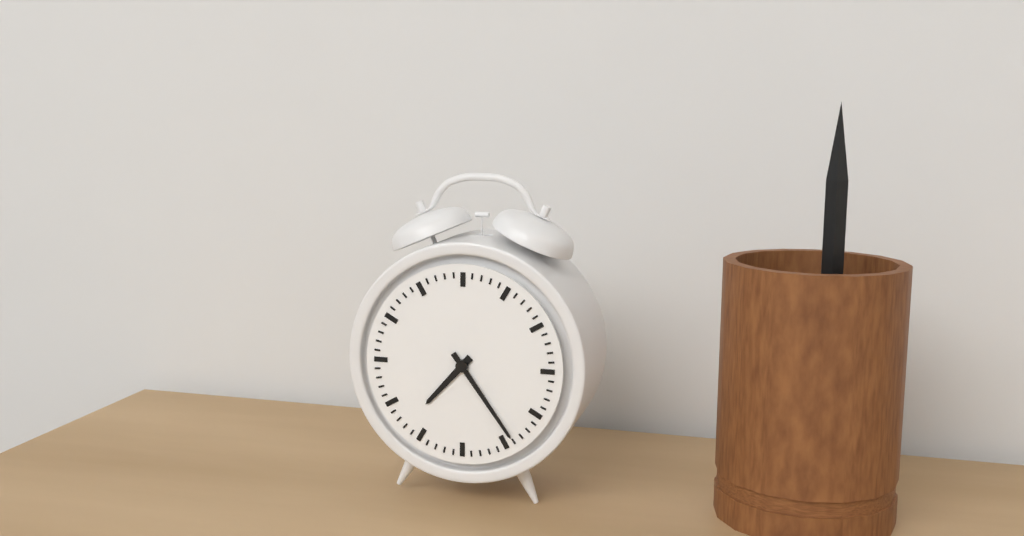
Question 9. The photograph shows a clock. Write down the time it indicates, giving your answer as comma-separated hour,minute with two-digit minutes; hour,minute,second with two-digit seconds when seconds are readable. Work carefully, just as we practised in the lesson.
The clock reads 7,24
